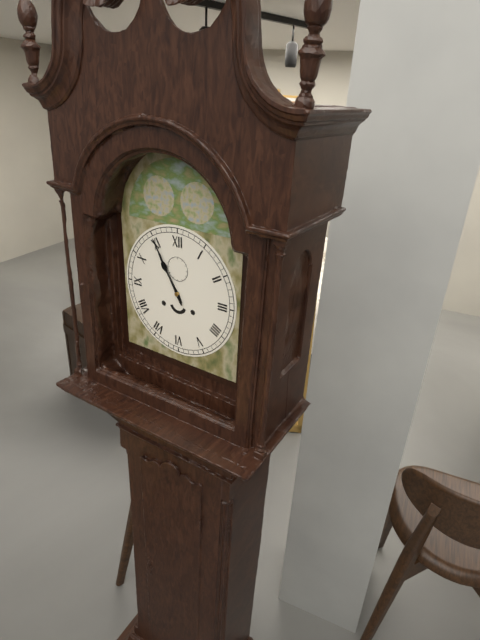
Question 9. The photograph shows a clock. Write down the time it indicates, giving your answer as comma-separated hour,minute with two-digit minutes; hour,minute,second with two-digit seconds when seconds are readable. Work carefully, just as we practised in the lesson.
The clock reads 10,55
